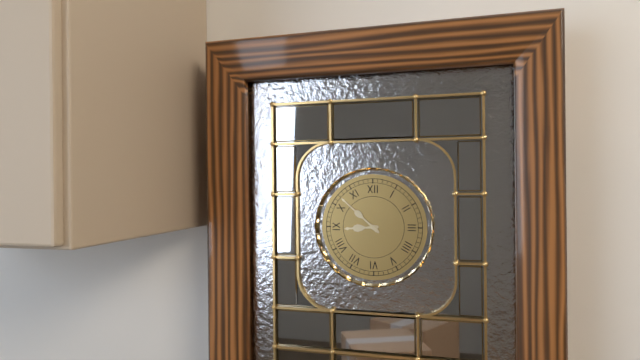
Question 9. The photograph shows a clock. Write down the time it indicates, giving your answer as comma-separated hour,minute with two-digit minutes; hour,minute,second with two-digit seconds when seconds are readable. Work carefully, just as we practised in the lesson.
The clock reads 8,52
